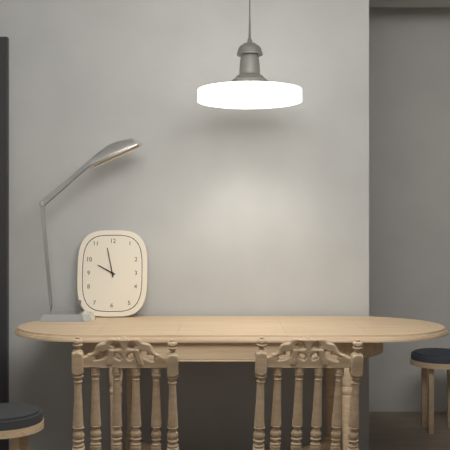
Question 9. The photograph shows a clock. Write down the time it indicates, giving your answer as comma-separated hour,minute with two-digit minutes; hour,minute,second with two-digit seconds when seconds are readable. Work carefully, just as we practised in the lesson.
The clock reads 9,58
